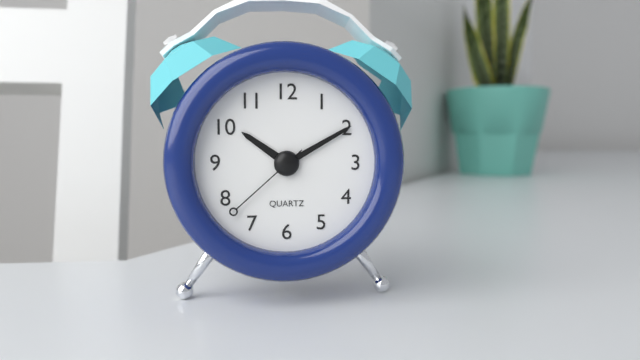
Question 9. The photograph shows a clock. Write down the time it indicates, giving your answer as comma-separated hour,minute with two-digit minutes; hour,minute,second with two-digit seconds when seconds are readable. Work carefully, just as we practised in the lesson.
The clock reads 10,10,38
